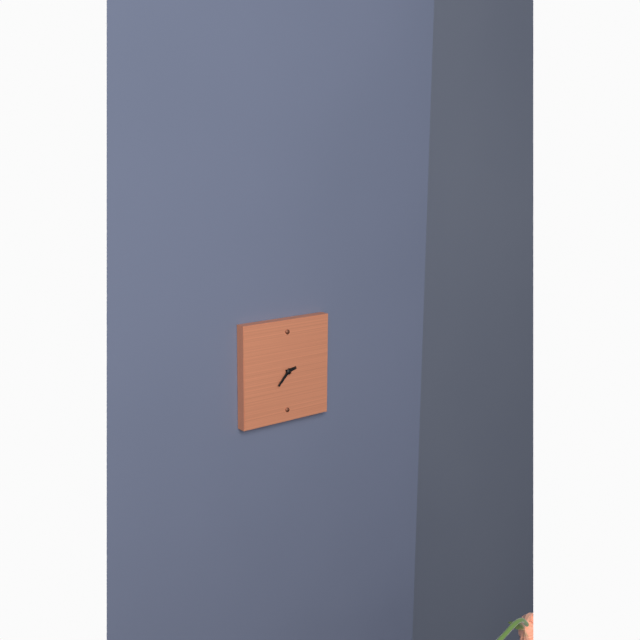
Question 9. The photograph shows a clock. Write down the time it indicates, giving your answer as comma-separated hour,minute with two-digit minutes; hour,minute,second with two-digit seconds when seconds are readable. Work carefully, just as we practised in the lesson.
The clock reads 2,37
